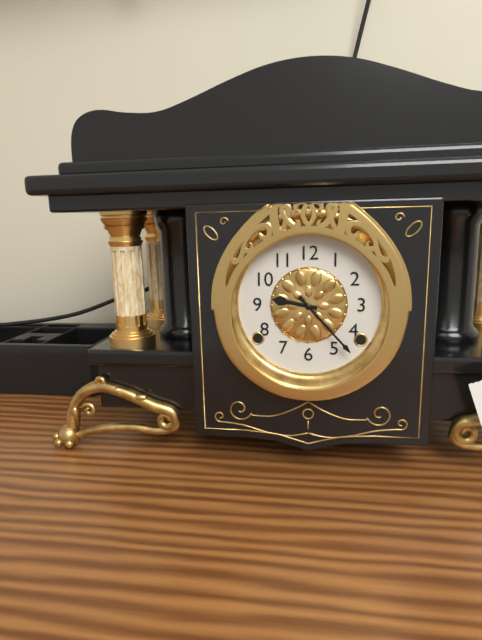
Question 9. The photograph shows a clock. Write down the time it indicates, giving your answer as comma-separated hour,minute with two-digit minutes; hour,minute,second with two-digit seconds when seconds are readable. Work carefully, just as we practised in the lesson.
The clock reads 9,23
